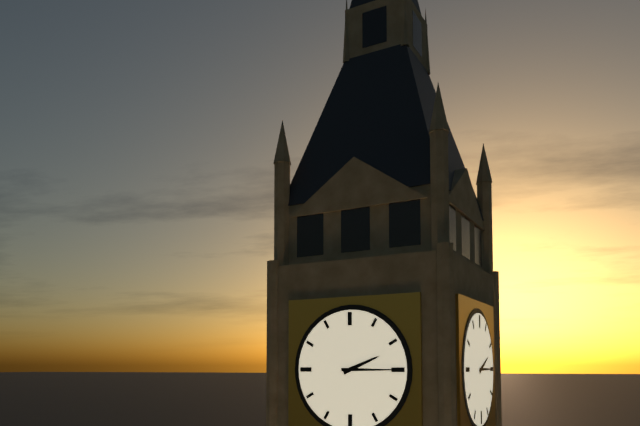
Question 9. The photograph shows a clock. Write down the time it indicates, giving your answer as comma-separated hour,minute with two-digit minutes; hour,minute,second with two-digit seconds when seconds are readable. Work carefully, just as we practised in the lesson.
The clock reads 2,15
